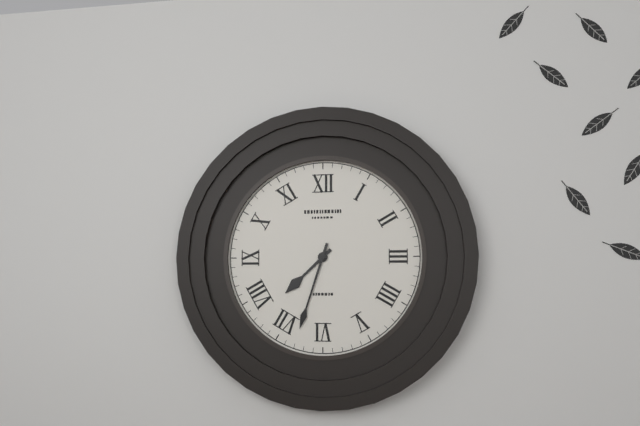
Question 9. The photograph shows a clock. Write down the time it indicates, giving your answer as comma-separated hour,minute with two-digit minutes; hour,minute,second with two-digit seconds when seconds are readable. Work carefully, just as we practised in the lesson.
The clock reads 7,33
